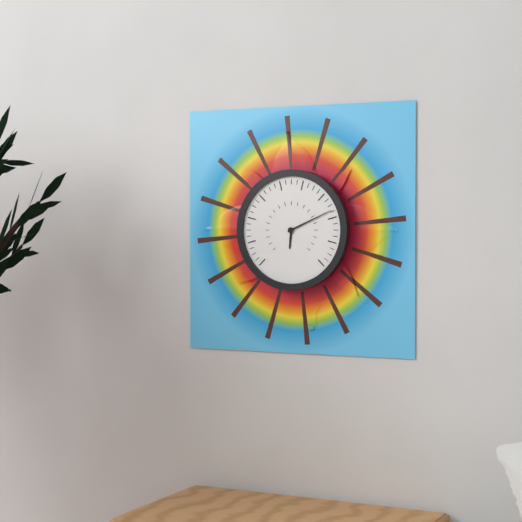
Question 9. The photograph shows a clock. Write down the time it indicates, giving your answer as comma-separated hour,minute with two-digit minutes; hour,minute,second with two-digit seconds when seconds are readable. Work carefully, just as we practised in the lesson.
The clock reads 6,11
